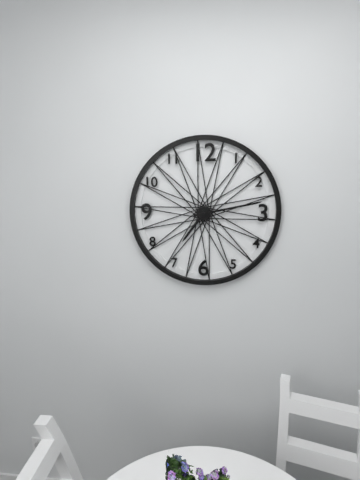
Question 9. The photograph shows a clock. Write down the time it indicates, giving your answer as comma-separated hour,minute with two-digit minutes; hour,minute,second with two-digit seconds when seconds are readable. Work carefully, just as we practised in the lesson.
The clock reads 7,13
